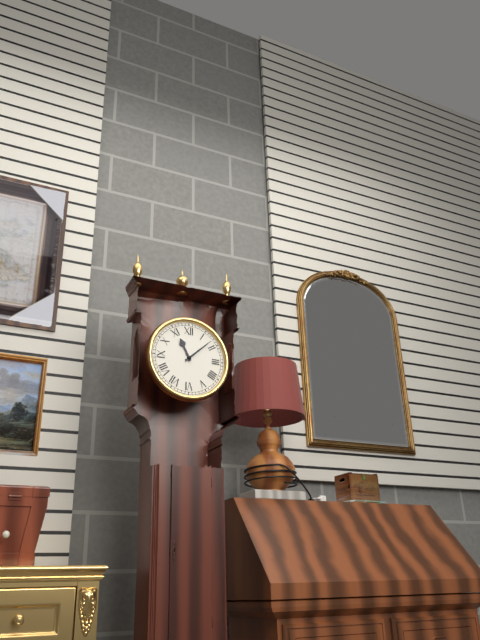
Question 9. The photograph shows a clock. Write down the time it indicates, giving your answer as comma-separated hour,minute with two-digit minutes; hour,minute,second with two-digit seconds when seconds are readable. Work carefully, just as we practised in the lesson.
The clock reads 11,08
